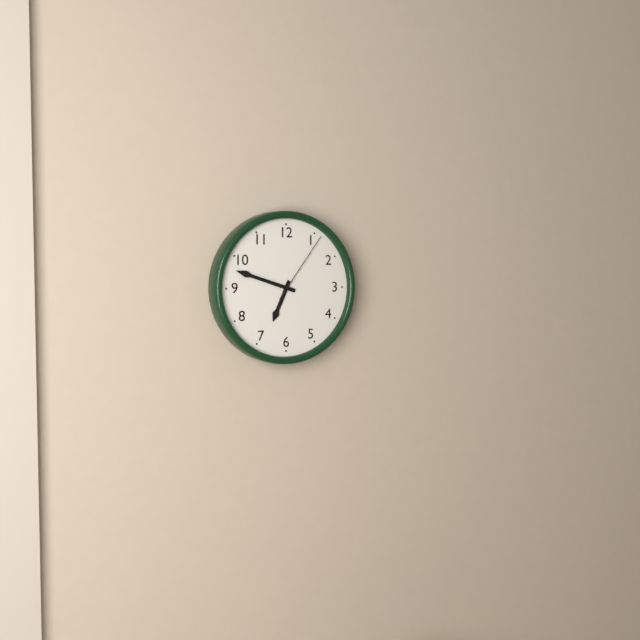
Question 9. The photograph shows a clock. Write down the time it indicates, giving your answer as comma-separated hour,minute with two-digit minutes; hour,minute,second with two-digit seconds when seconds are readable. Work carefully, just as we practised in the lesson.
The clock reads 6,48,06
